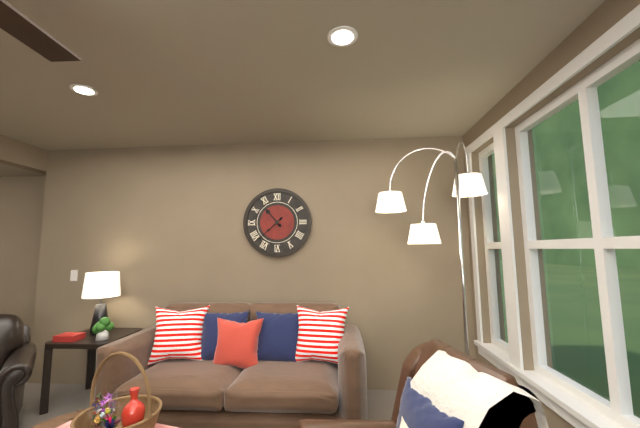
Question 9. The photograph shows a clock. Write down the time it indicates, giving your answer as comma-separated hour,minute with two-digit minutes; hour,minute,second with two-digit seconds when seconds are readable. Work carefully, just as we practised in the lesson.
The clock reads 10,38
